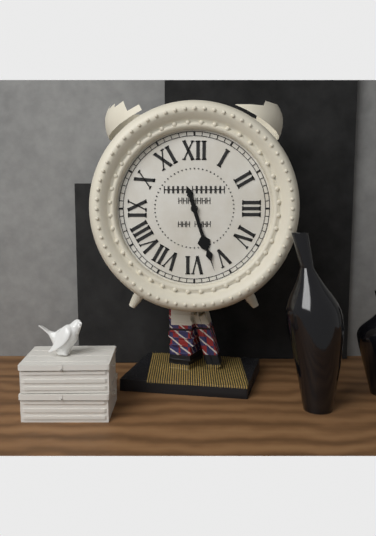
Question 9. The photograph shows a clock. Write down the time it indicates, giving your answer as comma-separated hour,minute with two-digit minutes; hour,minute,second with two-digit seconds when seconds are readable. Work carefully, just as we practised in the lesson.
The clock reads 5,27
